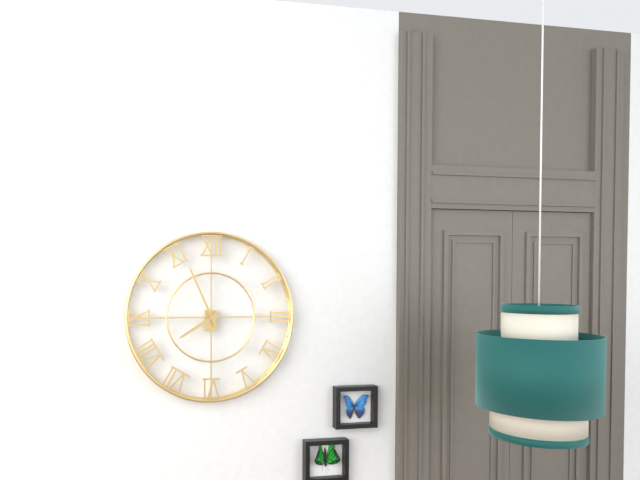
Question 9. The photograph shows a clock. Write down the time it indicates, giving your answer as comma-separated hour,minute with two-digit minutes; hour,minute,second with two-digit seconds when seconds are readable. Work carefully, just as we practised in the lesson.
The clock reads 7,56
